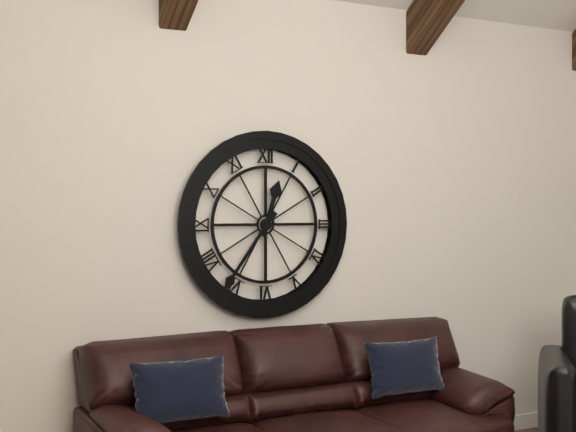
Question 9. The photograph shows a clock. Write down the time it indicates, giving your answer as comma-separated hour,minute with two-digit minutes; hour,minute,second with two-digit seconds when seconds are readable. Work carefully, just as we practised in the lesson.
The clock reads 12,36
